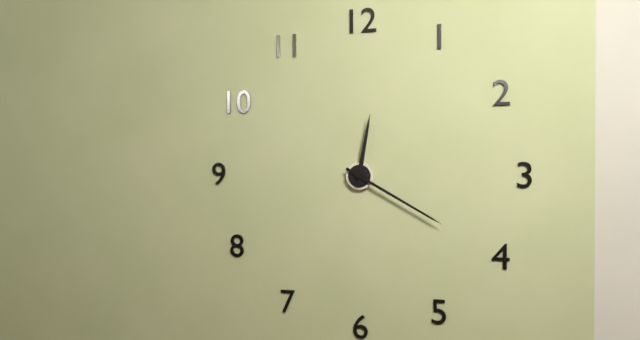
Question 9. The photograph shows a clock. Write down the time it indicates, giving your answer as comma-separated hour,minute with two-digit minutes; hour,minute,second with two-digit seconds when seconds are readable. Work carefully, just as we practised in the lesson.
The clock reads 12,20
